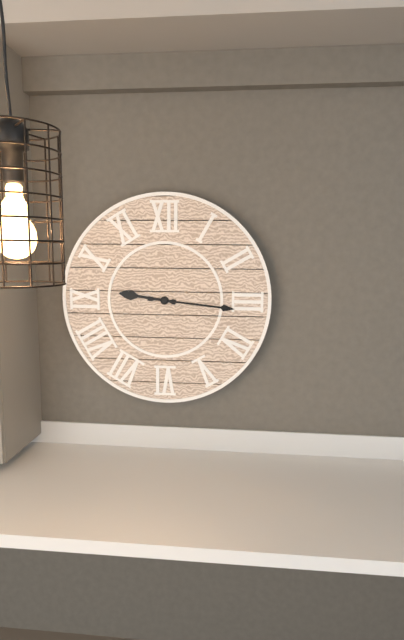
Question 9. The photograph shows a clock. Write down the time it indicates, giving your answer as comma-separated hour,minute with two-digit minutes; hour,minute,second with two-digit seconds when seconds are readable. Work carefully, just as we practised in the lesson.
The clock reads 9,16
